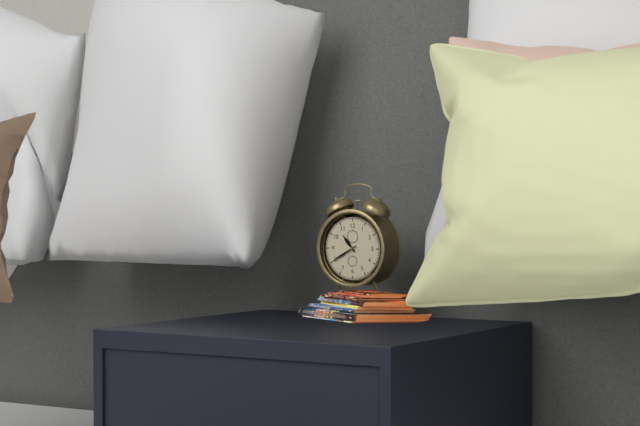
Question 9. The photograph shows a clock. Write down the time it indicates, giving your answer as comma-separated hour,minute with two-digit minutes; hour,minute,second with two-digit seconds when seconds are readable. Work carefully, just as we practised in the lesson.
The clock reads 10,40
